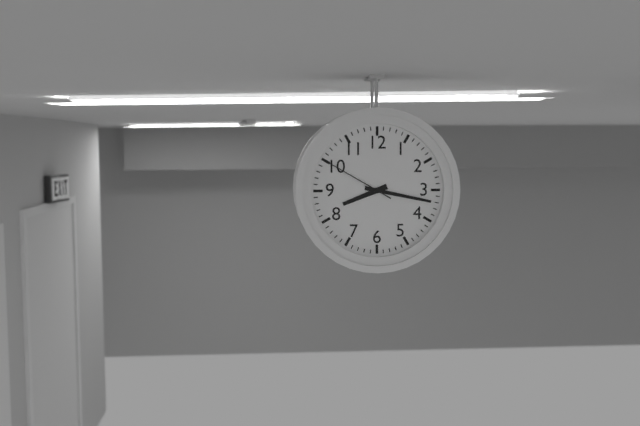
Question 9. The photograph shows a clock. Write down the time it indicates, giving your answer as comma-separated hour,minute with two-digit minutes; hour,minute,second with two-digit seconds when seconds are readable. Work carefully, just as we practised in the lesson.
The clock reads 8,17,50
